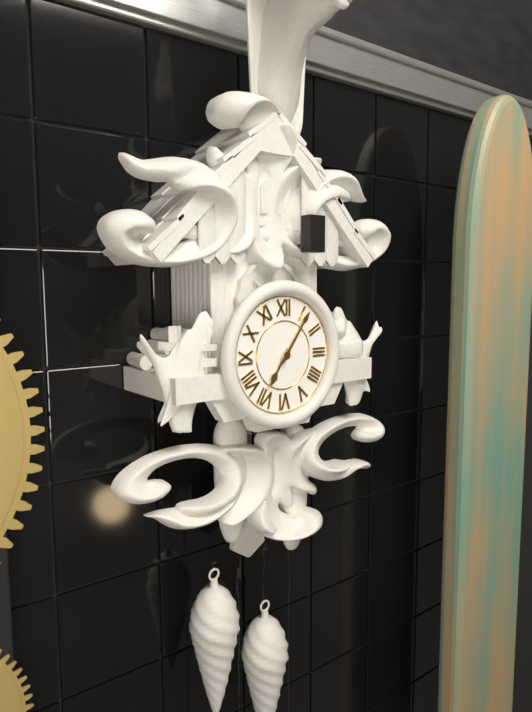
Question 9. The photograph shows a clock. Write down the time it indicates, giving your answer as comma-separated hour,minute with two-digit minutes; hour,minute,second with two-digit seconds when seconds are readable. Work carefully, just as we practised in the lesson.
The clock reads 7,06
